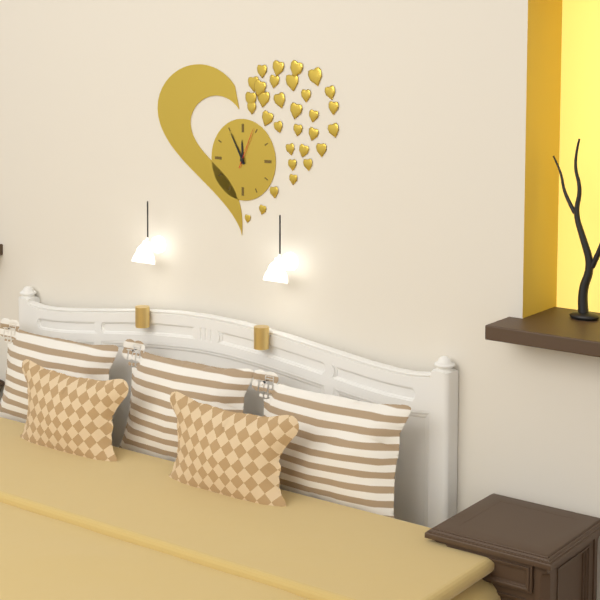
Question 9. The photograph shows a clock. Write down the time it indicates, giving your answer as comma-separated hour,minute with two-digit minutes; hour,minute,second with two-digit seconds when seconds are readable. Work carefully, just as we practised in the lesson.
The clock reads 11,55
